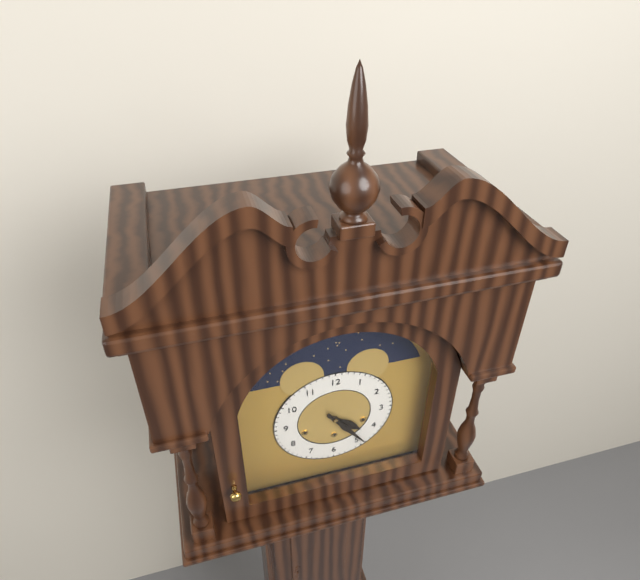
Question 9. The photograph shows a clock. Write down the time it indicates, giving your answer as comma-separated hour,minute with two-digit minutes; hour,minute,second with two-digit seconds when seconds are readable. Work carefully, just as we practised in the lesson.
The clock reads 4,24
